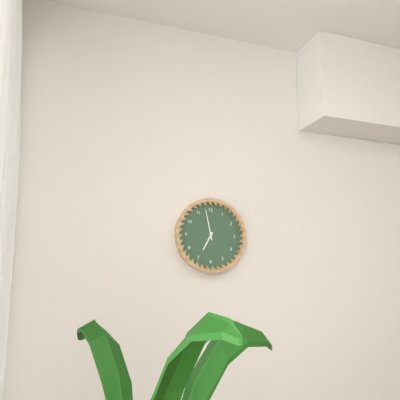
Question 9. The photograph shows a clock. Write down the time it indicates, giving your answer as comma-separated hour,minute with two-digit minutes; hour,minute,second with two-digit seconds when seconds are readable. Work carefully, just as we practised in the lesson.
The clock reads 6,58
